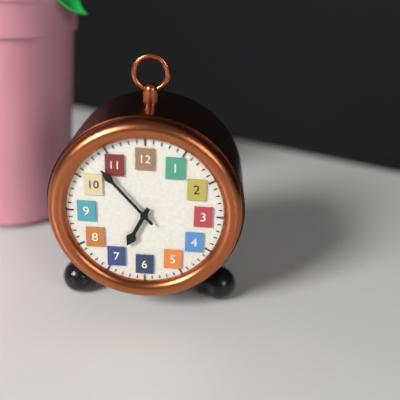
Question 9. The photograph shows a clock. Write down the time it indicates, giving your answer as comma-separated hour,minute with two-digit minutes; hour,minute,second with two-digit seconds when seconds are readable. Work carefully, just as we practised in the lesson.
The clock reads 6,53
